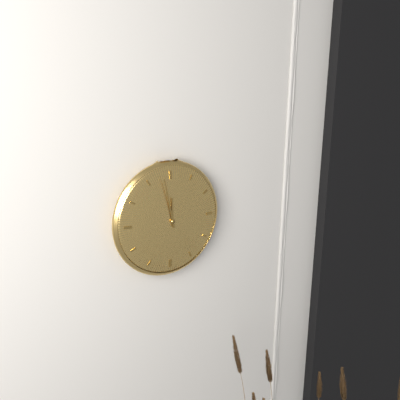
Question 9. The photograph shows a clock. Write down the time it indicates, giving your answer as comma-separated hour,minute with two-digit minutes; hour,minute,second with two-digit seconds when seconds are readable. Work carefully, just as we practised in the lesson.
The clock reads 11,58
